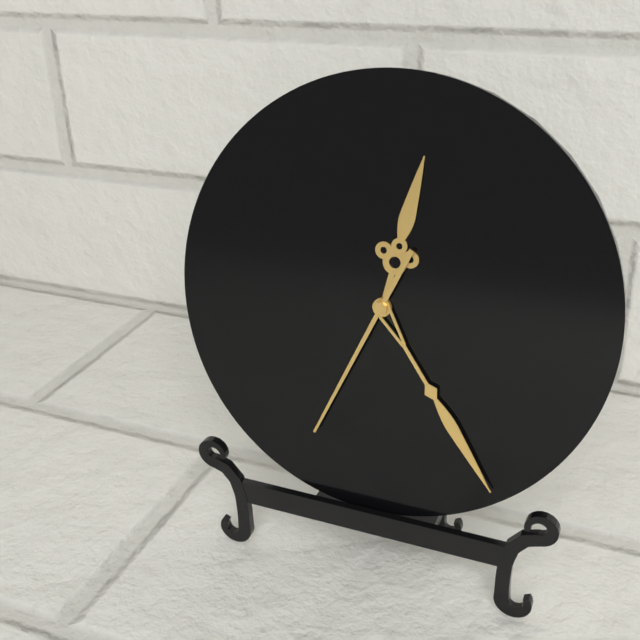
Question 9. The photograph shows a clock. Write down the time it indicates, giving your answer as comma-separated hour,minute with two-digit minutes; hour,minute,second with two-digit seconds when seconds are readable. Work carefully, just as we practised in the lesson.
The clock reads 12,24,34
